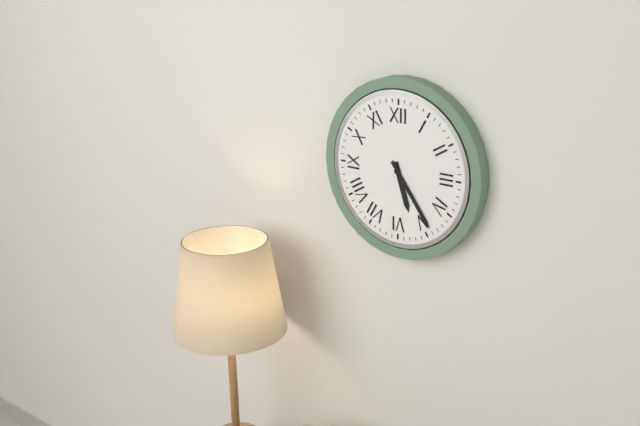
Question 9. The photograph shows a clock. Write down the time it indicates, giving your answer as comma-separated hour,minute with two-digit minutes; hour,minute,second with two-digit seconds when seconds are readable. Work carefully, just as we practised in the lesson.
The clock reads 5,24
